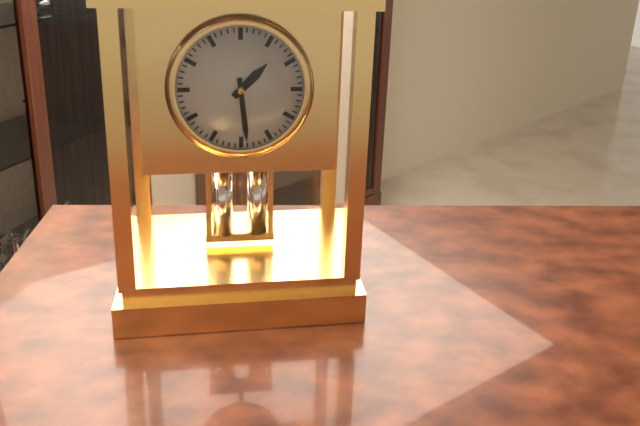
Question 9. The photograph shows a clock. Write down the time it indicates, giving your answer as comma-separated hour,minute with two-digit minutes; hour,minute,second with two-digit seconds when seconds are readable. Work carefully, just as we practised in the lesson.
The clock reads 1,29
